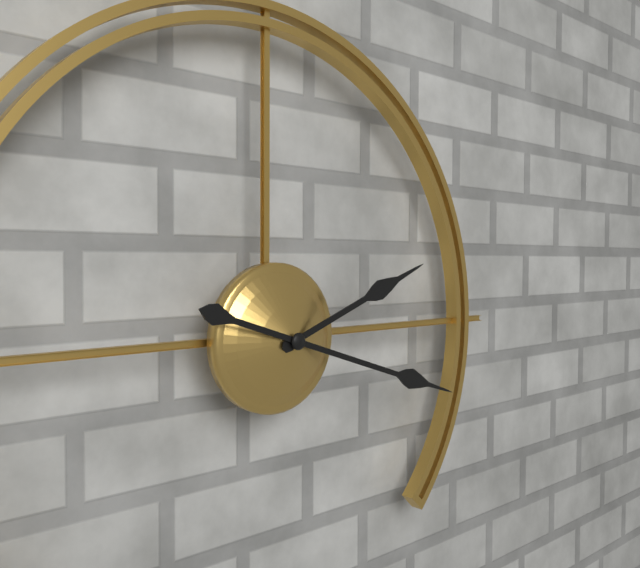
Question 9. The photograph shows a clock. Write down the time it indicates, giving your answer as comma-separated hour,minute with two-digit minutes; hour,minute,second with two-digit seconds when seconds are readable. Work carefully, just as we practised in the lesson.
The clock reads 2,18
